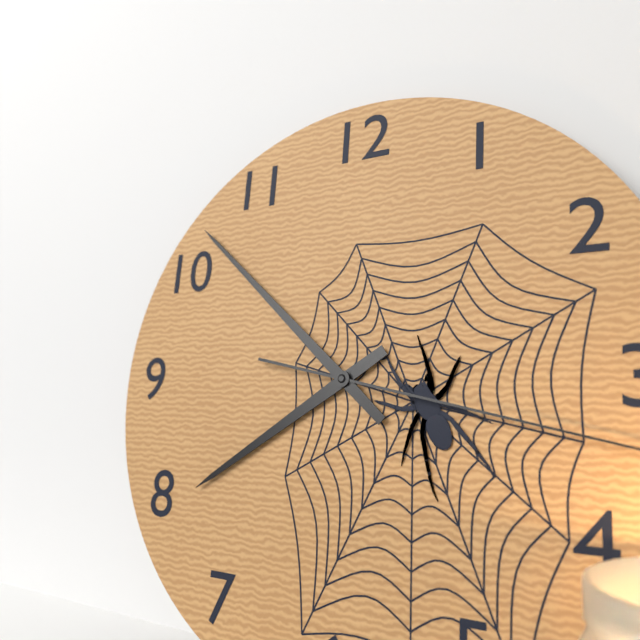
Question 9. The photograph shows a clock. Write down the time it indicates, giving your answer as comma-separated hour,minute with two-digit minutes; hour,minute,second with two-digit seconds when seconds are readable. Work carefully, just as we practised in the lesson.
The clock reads 7,52
